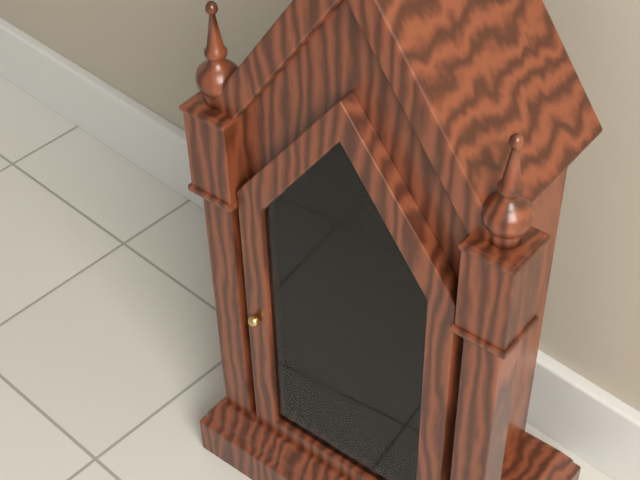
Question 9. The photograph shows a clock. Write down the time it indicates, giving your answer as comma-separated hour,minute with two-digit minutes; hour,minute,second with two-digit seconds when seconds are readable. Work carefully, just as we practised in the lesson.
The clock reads 9,01
